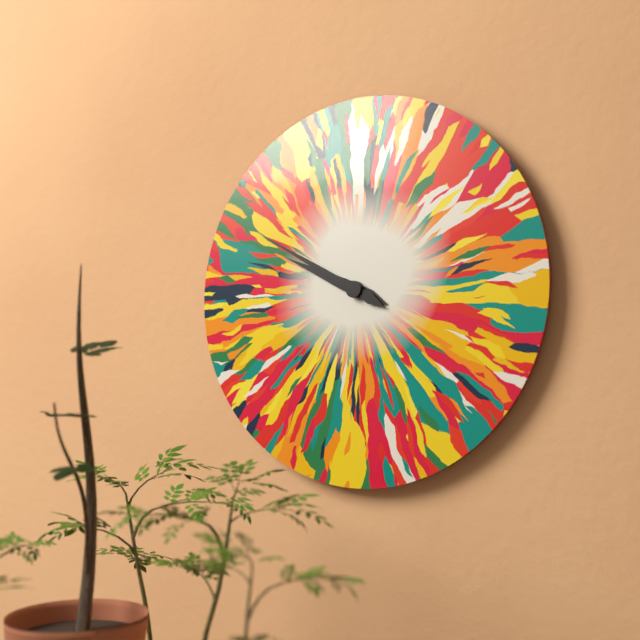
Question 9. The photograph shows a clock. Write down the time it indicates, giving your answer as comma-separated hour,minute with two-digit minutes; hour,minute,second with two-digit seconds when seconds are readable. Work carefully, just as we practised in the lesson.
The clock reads 9,50
